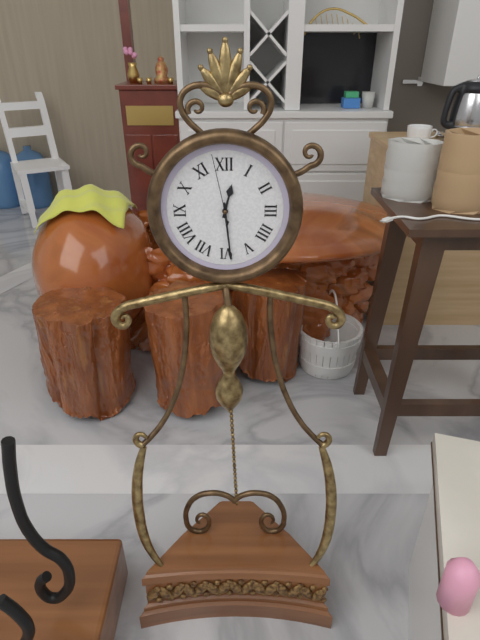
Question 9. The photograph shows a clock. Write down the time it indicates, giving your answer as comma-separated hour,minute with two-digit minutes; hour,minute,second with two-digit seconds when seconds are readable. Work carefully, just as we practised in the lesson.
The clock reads 12,29,58
